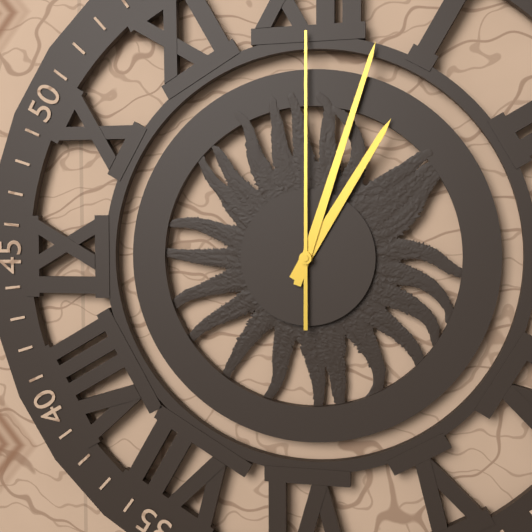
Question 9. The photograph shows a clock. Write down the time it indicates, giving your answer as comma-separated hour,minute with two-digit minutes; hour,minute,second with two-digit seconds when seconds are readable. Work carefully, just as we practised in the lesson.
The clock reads 1,03,00
